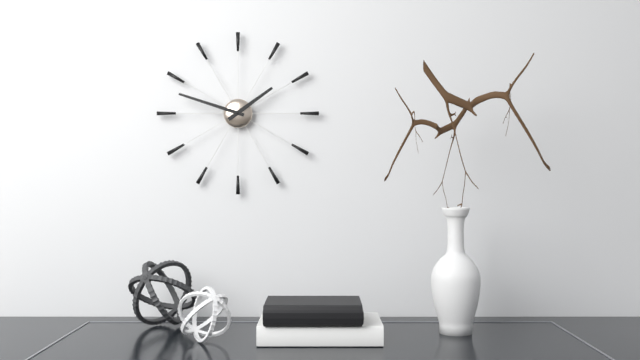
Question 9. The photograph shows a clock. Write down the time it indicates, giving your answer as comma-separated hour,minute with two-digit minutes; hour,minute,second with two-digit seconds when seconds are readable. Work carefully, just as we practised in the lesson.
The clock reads 1,48
